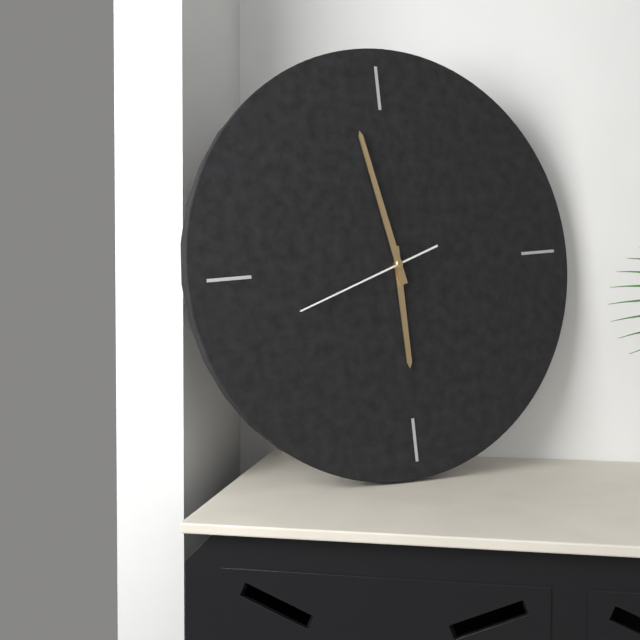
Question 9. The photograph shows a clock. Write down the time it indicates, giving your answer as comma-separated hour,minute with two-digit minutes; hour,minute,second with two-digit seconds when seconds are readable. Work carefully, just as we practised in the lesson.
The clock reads 5,58,42
